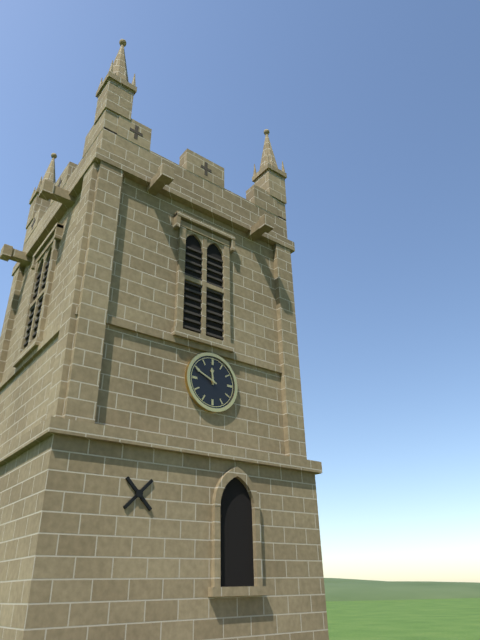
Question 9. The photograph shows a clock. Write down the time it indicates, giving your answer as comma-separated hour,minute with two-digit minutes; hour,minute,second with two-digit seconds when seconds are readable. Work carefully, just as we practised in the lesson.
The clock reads 11,49
